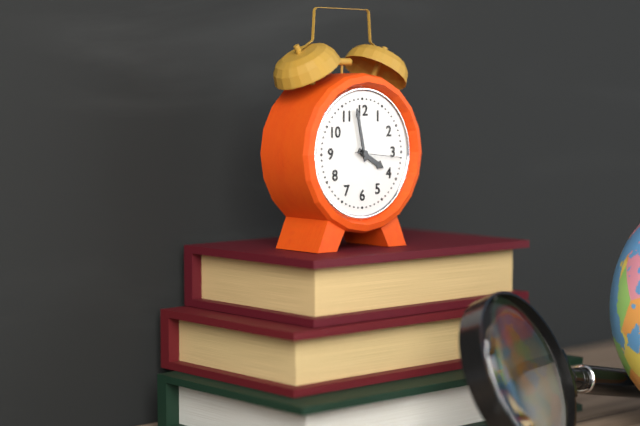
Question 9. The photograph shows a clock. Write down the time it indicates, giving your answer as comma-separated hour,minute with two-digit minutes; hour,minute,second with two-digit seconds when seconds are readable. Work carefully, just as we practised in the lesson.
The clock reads 3,58
